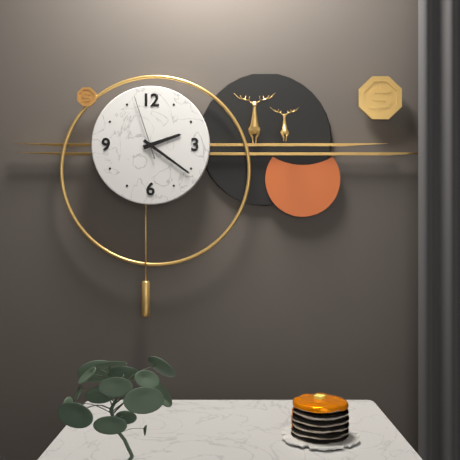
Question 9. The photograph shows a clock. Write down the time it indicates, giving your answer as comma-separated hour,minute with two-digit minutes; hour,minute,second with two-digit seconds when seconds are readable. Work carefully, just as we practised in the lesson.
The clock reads 2,21,57
